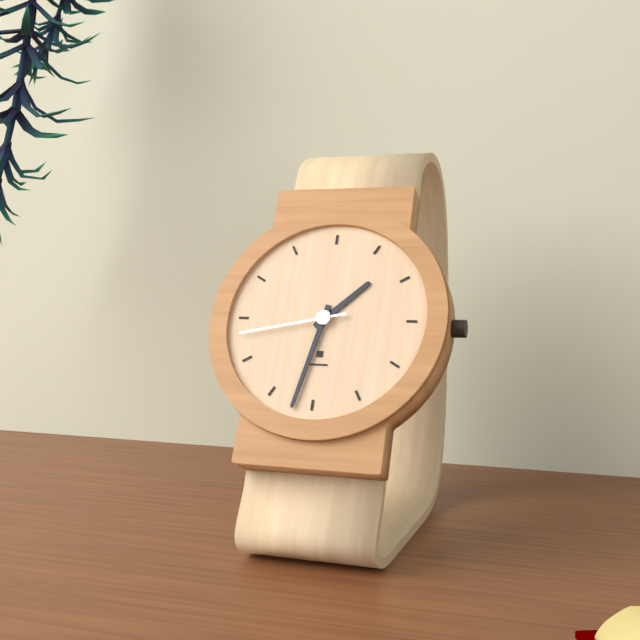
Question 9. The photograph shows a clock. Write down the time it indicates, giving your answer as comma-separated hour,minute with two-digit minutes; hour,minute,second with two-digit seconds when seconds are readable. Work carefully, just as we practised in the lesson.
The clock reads 1,32,43
